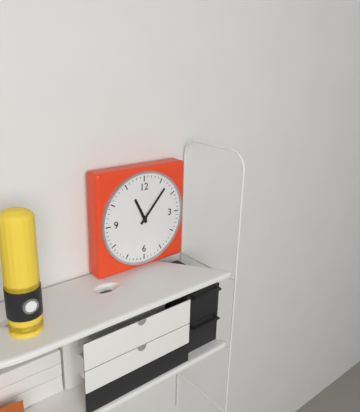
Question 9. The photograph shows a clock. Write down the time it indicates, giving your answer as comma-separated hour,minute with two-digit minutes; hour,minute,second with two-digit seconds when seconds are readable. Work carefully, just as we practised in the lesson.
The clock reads 11,07
